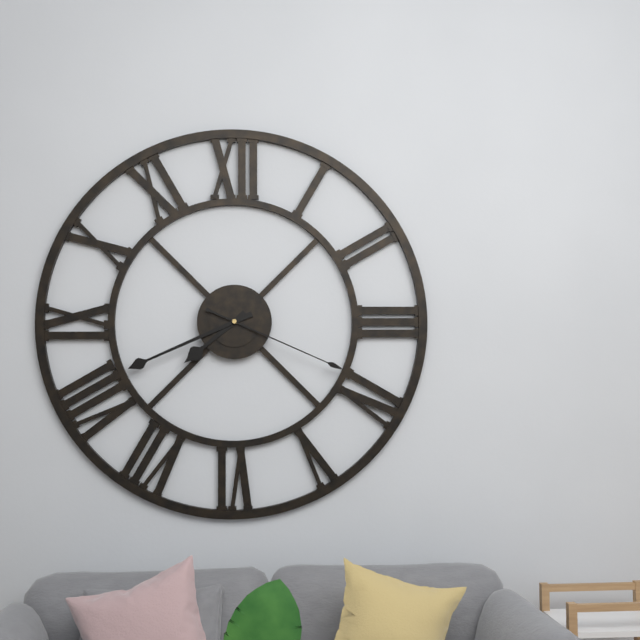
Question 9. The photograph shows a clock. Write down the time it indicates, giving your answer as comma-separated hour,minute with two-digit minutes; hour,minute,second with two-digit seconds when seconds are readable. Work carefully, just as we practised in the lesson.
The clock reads 7,41,19
